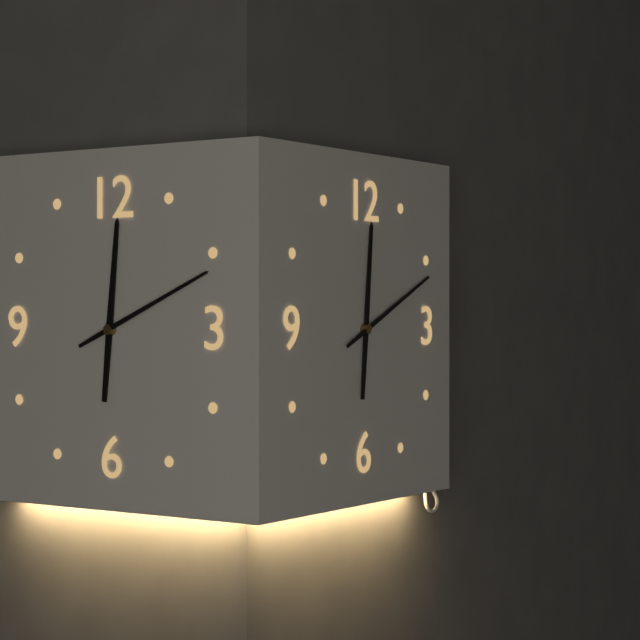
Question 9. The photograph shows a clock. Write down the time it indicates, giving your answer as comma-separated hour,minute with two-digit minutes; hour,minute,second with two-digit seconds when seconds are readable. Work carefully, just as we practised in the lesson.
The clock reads 12,11
